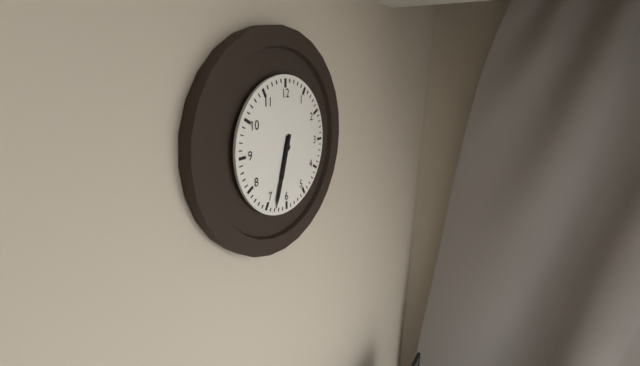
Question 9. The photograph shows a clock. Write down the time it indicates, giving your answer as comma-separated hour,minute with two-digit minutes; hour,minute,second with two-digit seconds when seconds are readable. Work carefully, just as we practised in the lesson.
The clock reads 6,33
